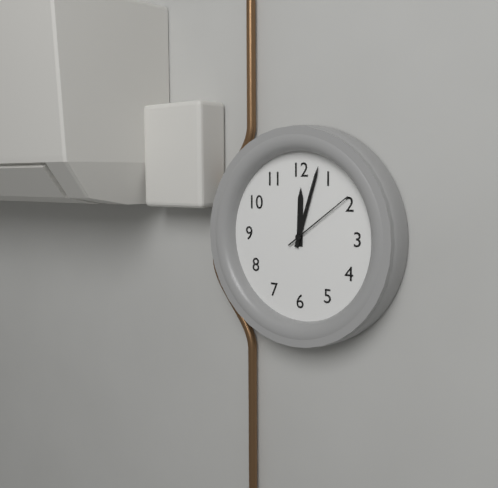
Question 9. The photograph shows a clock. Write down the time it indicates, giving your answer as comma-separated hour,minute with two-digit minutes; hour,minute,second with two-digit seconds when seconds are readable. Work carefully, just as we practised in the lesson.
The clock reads 12,03,09
